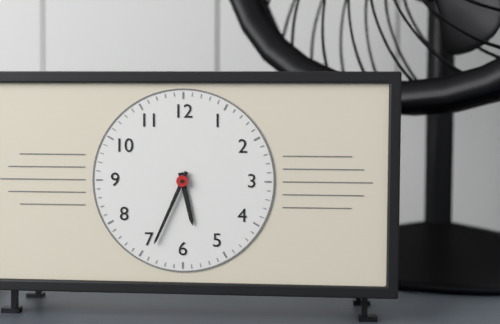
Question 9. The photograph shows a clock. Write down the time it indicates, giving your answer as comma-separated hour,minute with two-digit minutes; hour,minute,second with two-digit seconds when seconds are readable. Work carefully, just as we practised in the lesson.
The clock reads 5,34
